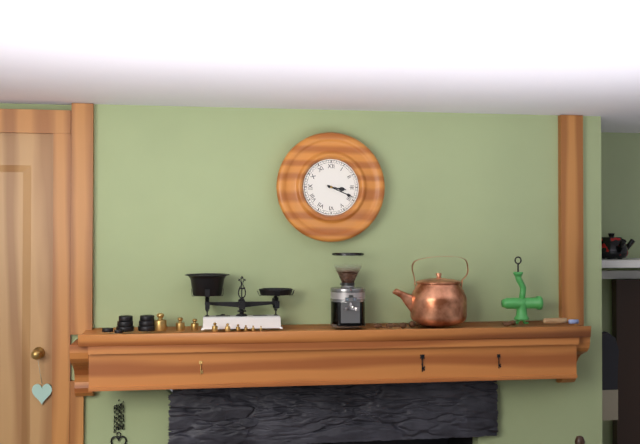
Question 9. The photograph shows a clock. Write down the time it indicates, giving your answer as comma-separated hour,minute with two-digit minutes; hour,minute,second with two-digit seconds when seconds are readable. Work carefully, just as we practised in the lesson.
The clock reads 3,19
